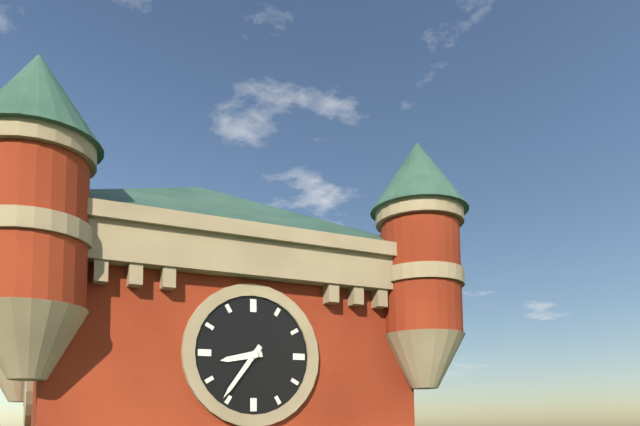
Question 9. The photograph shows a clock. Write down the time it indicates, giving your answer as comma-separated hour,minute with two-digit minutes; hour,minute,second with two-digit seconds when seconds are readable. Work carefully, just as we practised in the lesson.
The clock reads 8,36
